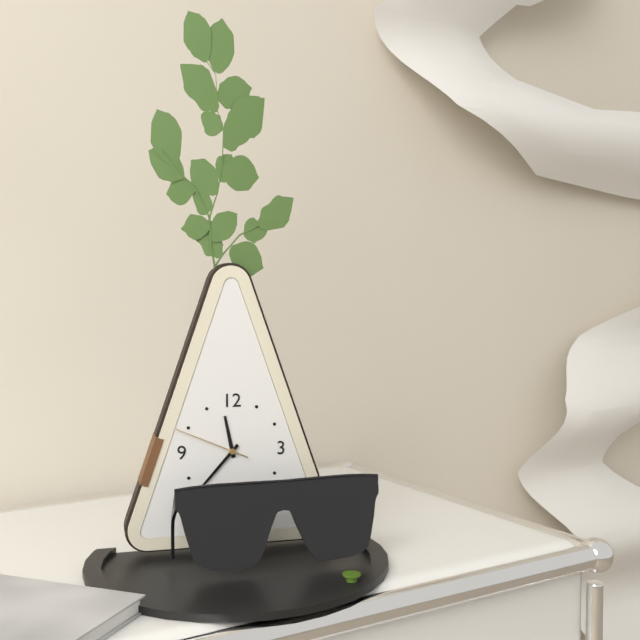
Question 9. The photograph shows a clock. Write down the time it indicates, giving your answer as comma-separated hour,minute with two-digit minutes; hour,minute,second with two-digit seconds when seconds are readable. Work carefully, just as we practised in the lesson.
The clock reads 11,37,49
